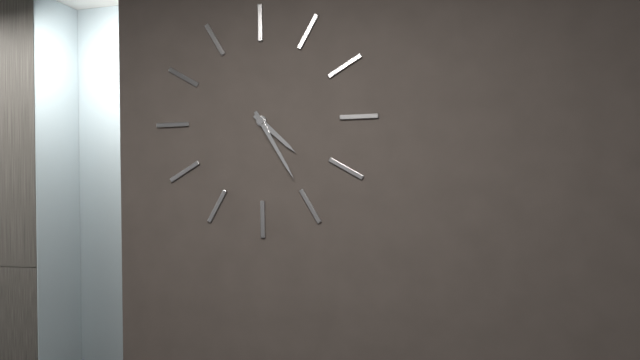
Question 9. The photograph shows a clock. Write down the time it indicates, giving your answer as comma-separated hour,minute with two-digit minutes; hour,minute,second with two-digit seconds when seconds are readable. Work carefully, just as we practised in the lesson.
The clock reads 4,25
